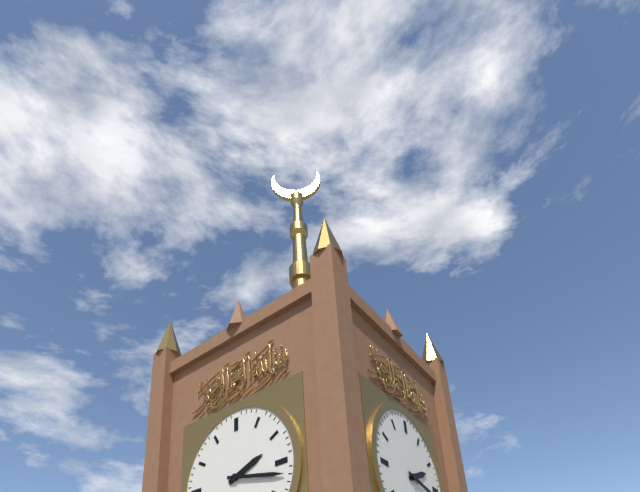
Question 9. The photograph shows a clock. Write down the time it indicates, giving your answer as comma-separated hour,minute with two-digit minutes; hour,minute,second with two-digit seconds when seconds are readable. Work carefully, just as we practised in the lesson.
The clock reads 2,17
